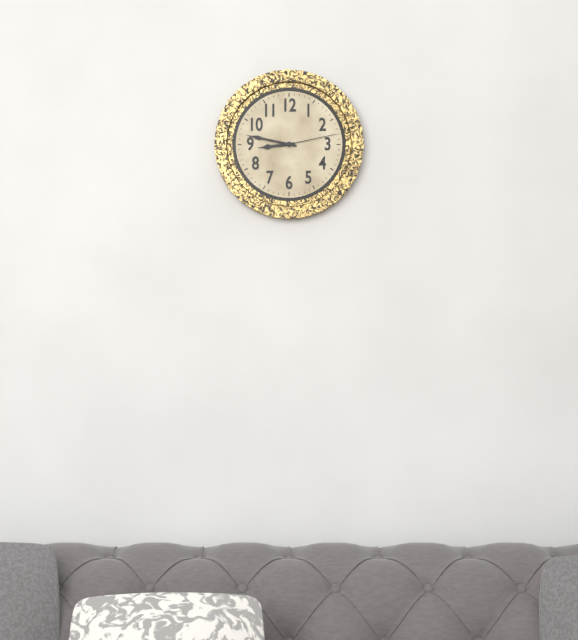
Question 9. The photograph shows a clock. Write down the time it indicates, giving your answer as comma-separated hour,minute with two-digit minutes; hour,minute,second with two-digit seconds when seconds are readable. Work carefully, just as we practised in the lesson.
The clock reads 8,47,13
